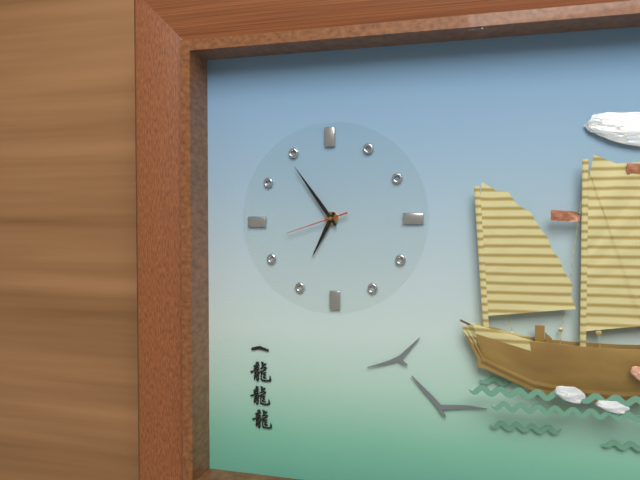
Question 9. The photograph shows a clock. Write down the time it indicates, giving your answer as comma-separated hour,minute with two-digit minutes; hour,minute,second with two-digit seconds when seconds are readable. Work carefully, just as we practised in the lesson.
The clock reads 6,54,42
